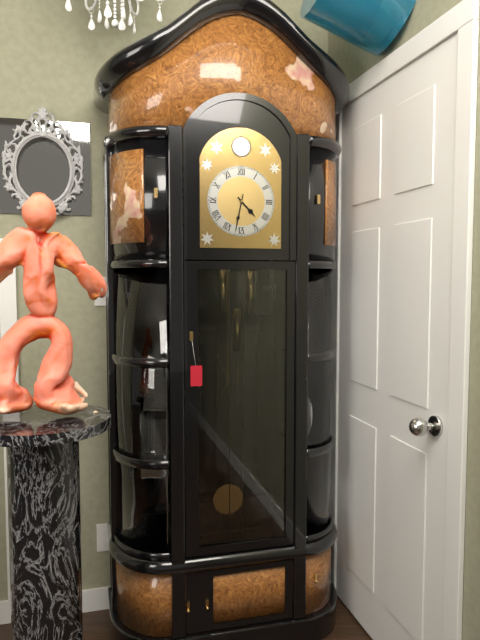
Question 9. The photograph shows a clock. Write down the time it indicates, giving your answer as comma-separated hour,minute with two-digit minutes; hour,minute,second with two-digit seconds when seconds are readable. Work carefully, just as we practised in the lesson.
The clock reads 4,32
